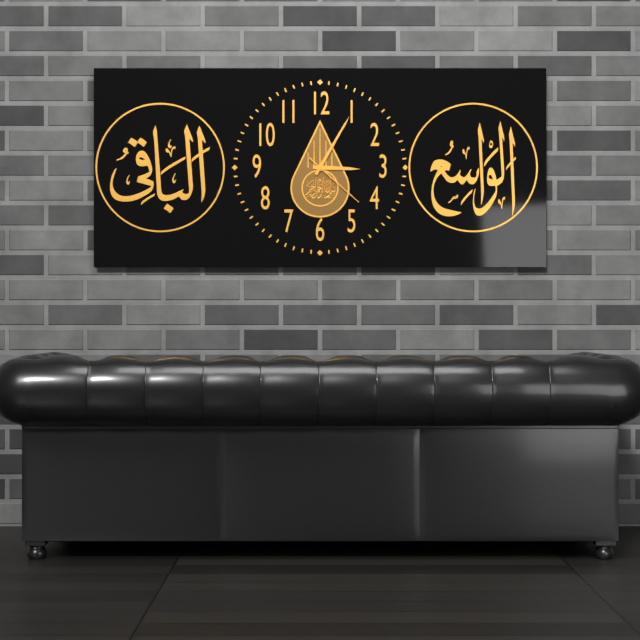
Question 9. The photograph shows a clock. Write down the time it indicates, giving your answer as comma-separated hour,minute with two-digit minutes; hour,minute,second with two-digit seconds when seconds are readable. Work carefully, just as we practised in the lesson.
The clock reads 3,05,22
